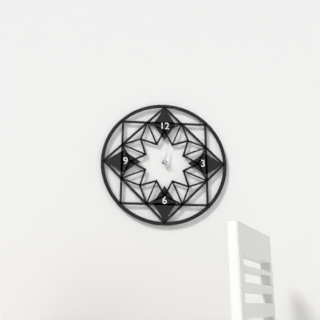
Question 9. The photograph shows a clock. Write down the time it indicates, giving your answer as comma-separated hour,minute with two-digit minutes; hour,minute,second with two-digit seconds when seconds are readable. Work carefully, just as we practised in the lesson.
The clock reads 4,02
